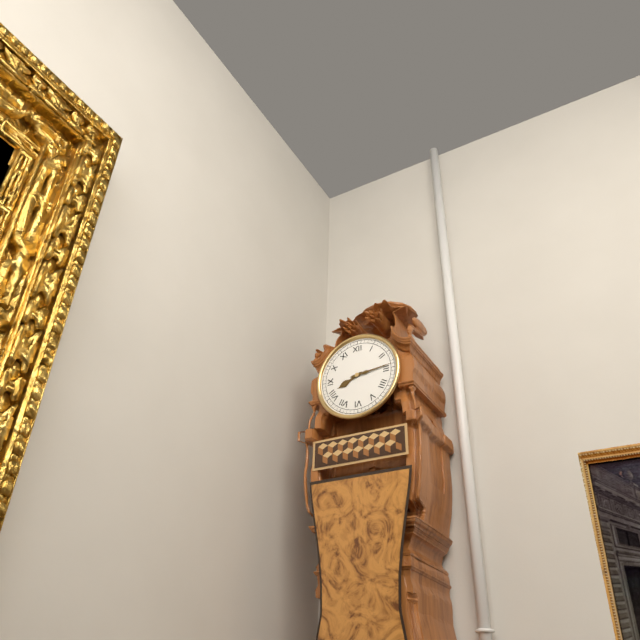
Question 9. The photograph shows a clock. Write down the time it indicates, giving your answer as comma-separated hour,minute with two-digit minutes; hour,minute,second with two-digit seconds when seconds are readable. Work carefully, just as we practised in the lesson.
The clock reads 8,14
